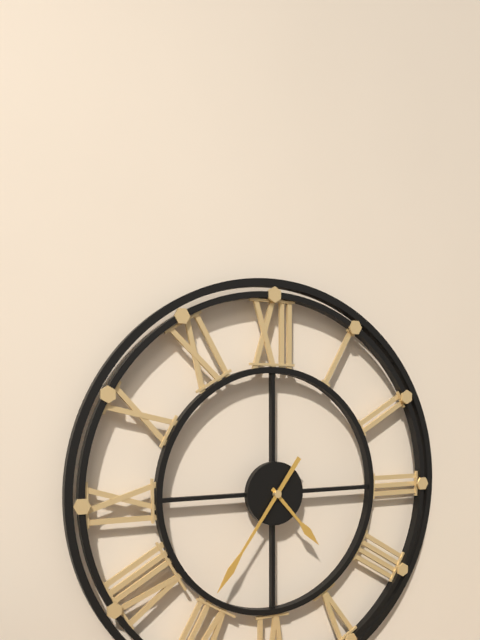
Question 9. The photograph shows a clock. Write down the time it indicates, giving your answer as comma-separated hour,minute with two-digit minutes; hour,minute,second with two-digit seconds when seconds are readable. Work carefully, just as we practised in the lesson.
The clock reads 4,36
